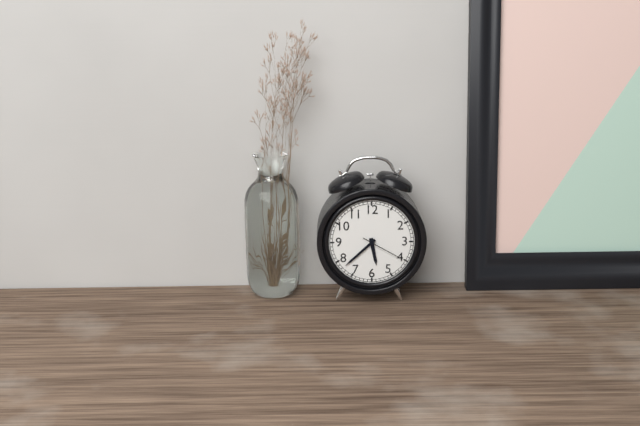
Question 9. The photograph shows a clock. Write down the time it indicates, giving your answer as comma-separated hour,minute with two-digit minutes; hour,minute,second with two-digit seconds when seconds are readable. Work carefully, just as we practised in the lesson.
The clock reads 5,38
